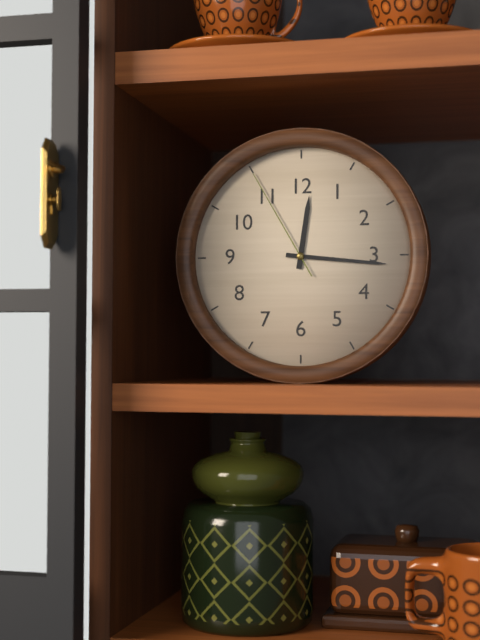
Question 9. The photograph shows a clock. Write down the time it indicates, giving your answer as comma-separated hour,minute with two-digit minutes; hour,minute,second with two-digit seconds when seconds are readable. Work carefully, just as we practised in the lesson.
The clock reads 12,16,55
